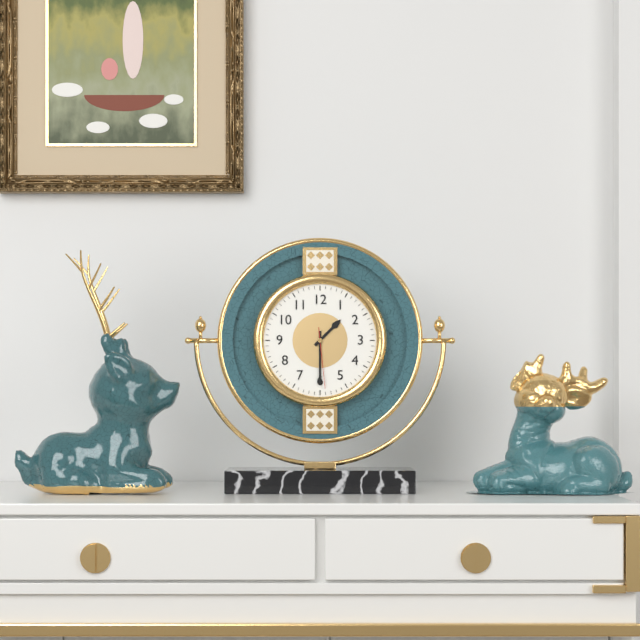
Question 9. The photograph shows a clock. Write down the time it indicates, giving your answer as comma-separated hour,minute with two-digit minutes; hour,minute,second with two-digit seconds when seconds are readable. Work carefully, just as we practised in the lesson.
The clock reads 1,30,29
